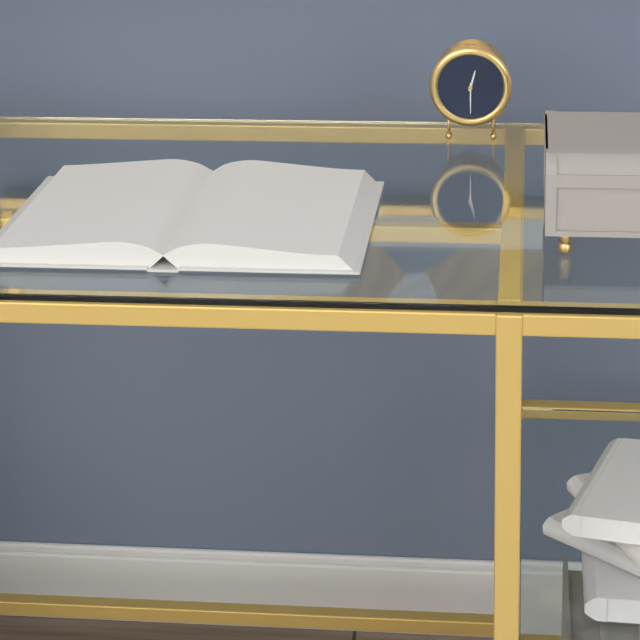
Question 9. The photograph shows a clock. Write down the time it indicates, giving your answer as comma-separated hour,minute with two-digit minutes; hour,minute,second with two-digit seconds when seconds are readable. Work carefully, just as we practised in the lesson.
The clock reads 12,30
